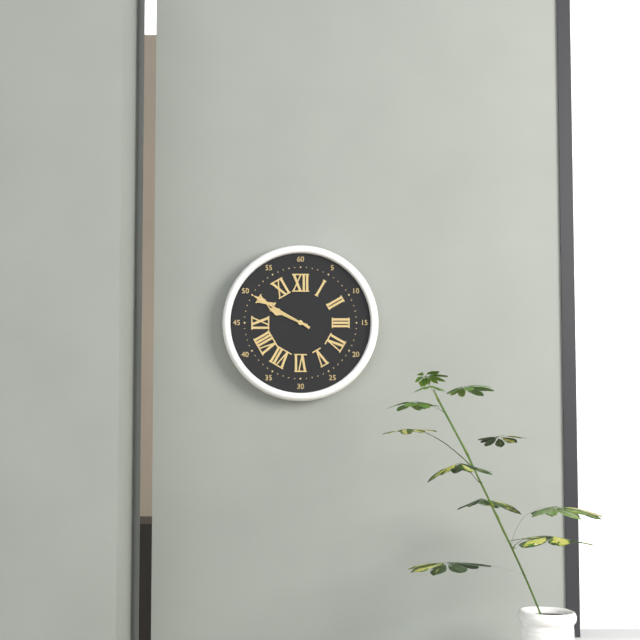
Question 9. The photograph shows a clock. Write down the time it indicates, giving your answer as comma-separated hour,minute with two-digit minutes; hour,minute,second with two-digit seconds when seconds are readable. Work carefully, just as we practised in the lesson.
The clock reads 9,50
